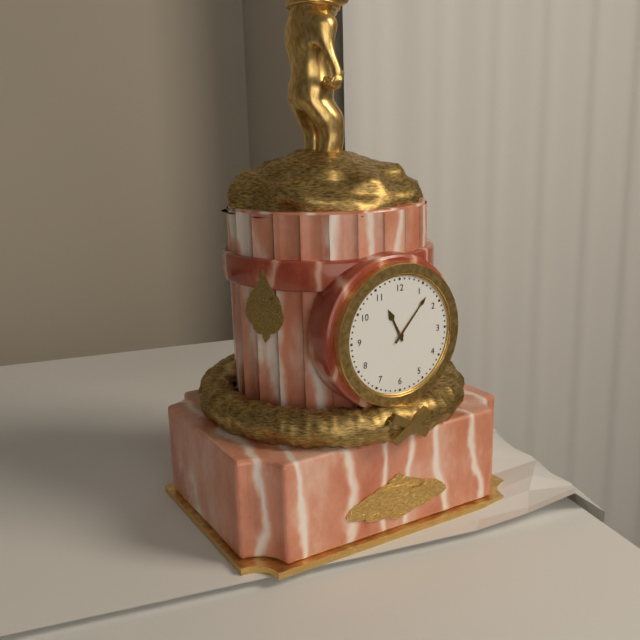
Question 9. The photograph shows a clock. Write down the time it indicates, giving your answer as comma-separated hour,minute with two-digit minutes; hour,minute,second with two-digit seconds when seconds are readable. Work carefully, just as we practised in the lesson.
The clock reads 11,07
